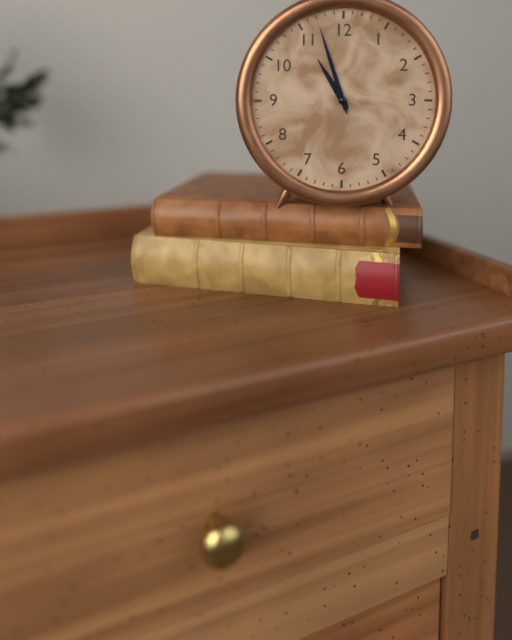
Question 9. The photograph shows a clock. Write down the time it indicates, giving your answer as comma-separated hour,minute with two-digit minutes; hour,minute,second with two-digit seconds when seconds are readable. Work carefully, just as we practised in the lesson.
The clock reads 10,57
